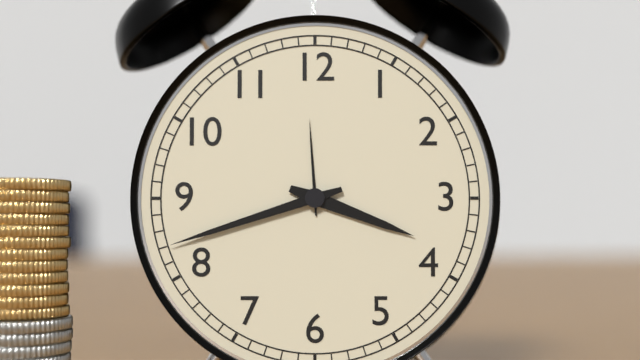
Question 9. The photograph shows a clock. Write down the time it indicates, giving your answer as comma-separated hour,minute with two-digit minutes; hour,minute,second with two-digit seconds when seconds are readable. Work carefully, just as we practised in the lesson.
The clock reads 3,42
